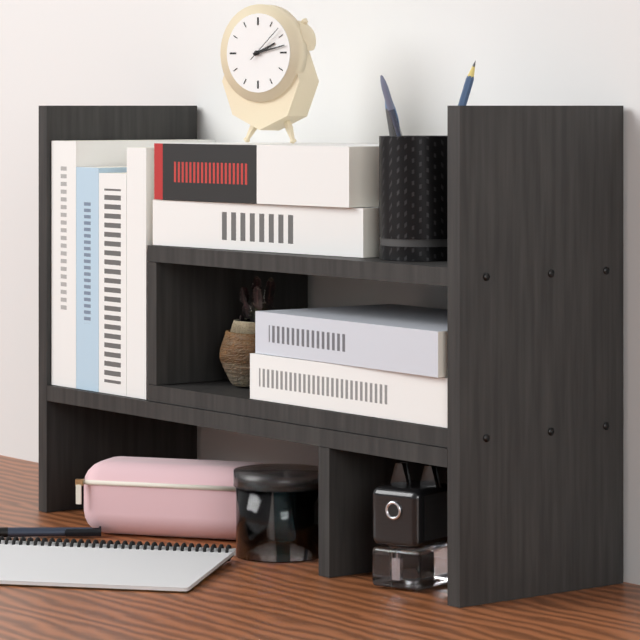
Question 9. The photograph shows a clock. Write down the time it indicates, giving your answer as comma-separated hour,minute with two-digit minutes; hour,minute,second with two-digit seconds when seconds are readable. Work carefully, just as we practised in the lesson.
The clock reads 2,13
